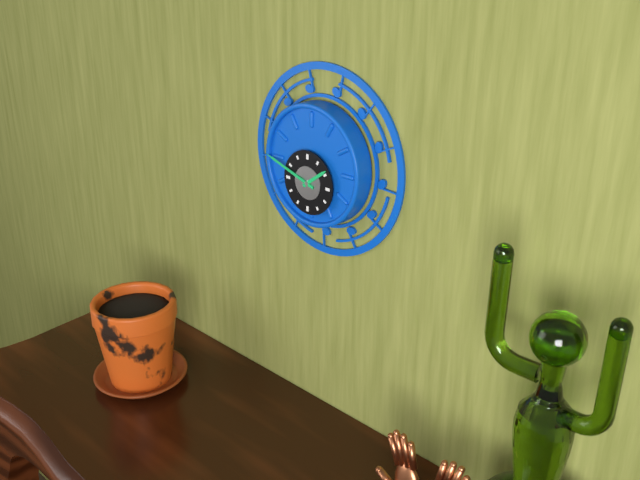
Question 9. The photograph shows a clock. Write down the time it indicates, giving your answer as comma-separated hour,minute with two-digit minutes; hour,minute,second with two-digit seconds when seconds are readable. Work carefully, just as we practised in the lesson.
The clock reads 1,48
